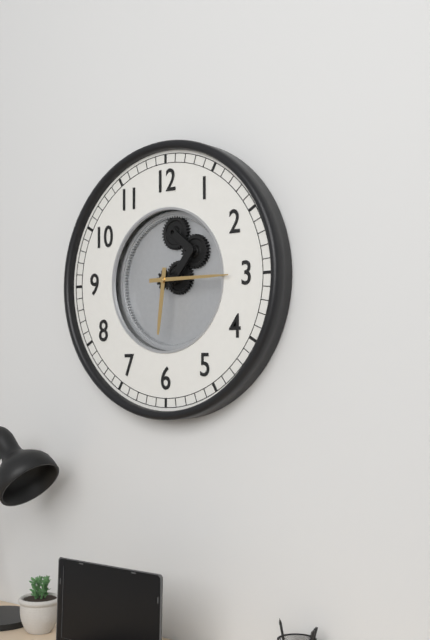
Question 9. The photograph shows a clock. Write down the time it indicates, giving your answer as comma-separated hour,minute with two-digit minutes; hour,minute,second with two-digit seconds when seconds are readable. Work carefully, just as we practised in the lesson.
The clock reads 6,15
